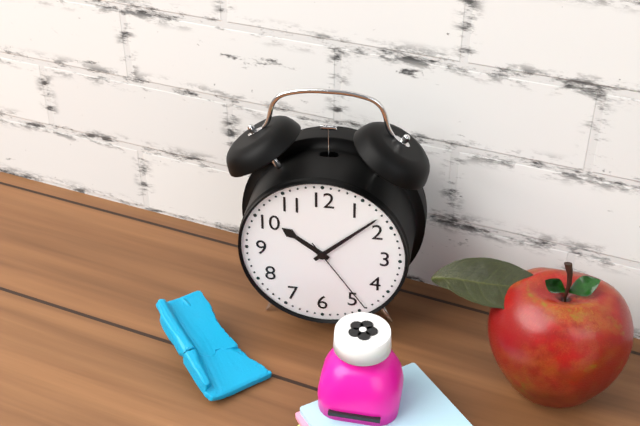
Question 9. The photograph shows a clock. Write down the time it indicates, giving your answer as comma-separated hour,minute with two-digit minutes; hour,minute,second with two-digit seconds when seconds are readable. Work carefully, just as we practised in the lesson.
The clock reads 10,08,24
